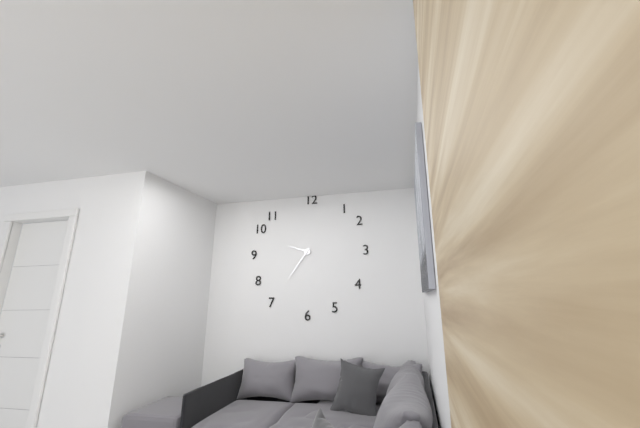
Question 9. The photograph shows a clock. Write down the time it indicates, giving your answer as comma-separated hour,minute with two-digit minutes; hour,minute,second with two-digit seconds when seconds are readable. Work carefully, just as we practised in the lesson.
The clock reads 9,36
